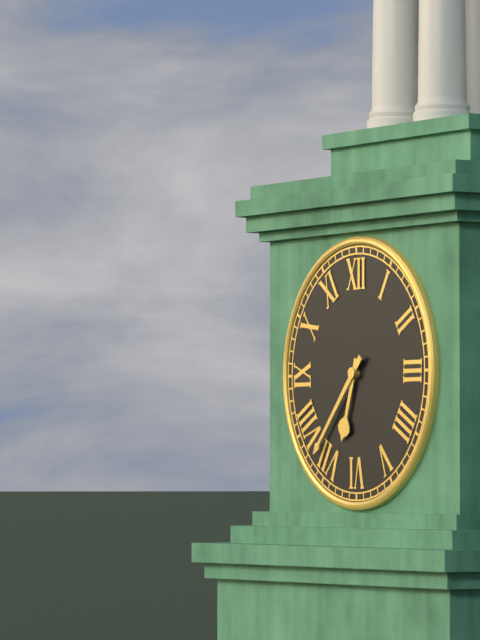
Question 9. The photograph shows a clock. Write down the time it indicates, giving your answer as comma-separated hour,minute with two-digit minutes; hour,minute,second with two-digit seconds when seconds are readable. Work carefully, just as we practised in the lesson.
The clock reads 6,37
